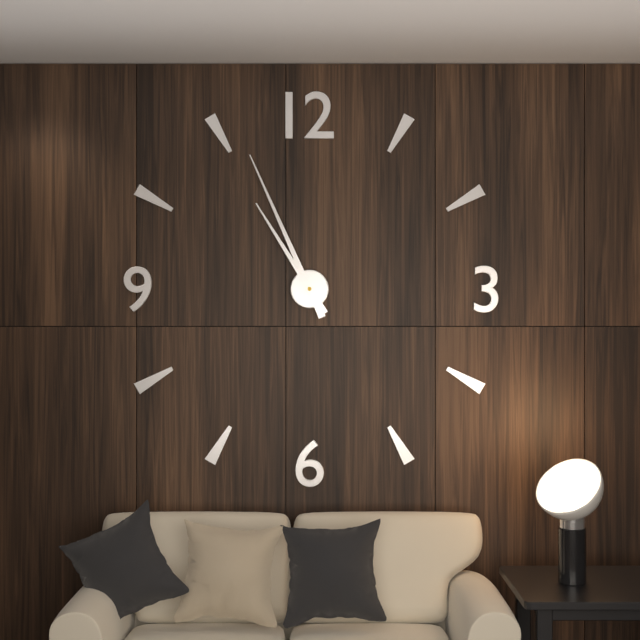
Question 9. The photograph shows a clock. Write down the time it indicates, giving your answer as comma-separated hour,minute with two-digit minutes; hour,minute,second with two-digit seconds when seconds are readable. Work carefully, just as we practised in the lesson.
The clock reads 10,56
